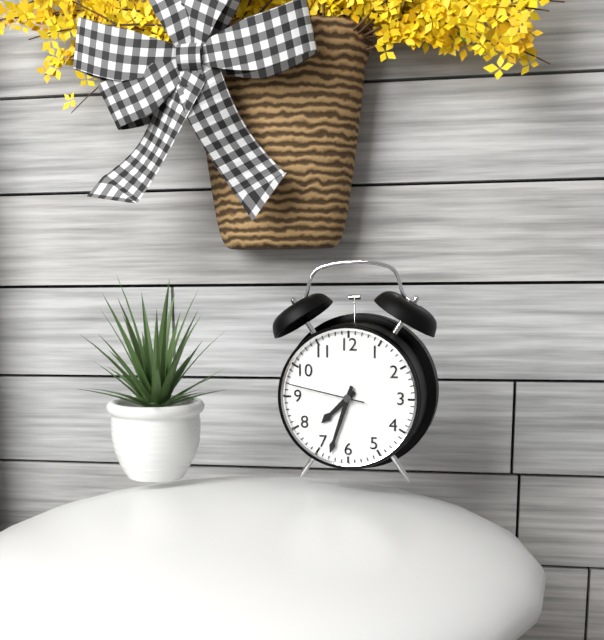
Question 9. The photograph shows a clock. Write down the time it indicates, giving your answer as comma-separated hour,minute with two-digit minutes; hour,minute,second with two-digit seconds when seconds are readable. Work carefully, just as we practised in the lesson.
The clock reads 7,33,47
